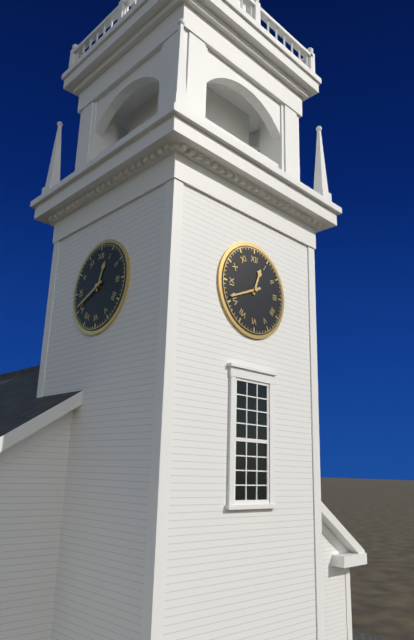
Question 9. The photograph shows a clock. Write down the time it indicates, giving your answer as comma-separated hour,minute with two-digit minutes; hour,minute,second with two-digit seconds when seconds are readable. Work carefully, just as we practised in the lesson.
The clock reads 12,41
